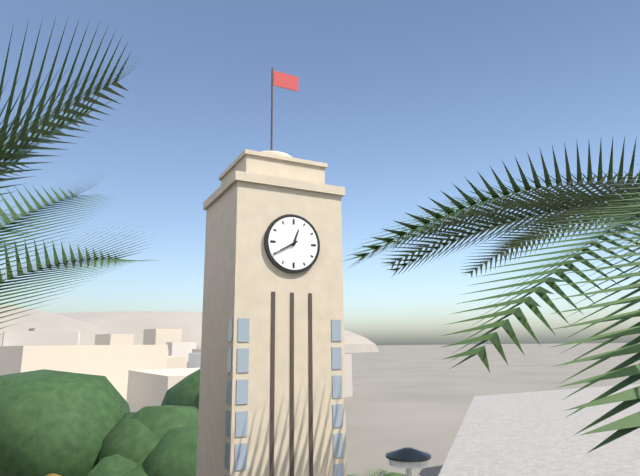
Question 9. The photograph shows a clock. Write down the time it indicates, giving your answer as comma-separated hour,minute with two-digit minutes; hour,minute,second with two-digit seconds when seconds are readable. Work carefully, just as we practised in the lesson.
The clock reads 12,40
